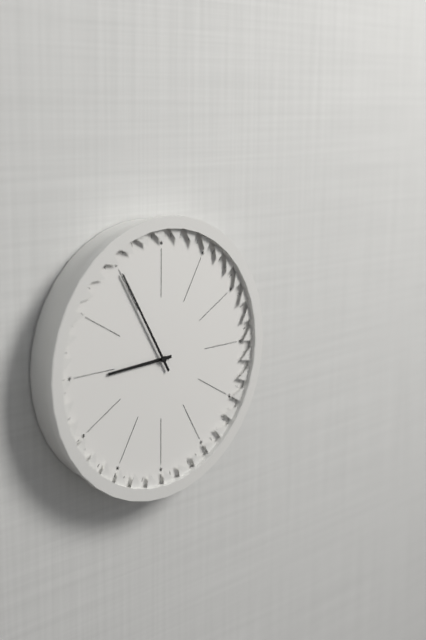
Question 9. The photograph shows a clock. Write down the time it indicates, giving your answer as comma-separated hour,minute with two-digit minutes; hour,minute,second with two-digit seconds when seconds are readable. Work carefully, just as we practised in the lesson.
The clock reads 8,55
